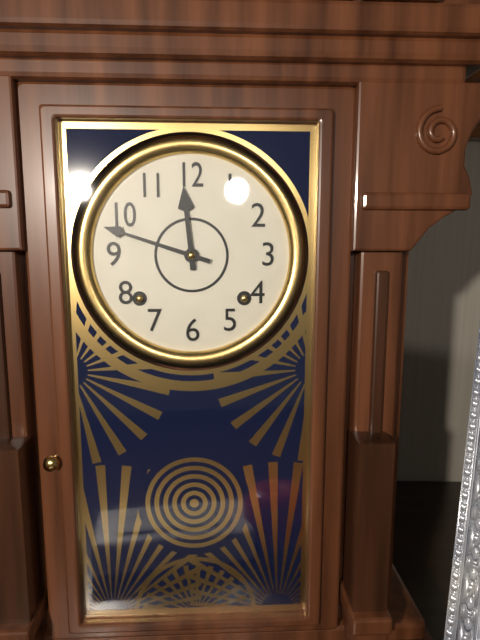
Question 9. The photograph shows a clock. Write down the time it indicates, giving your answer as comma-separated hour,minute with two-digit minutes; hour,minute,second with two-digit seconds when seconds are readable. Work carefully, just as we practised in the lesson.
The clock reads 11,48
